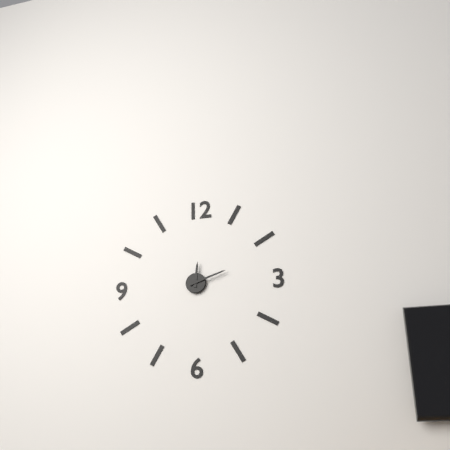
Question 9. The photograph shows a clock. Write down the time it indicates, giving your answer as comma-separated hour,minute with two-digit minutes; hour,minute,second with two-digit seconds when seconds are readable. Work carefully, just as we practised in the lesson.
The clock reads 12,12
